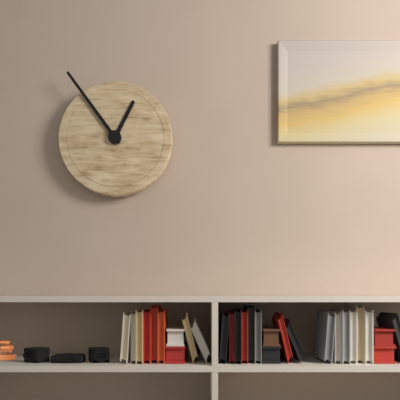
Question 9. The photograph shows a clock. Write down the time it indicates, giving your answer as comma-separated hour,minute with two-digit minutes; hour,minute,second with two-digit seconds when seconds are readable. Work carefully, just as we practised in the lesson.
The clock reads 12,54
